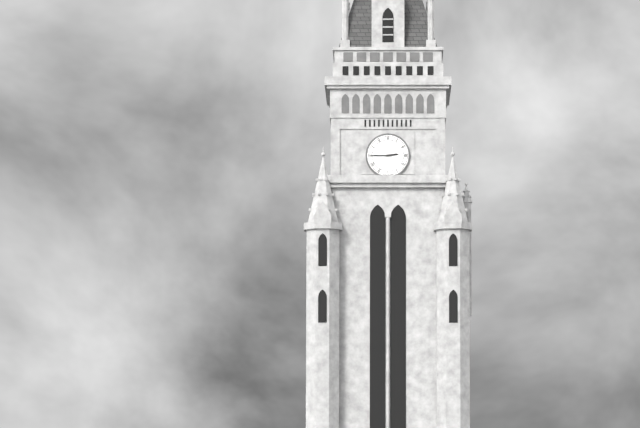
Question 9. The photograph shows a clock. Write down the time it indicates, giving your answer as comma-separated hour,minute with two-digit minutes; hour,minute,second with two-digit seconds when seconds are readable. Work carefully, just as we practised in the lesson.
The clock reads 2,45
